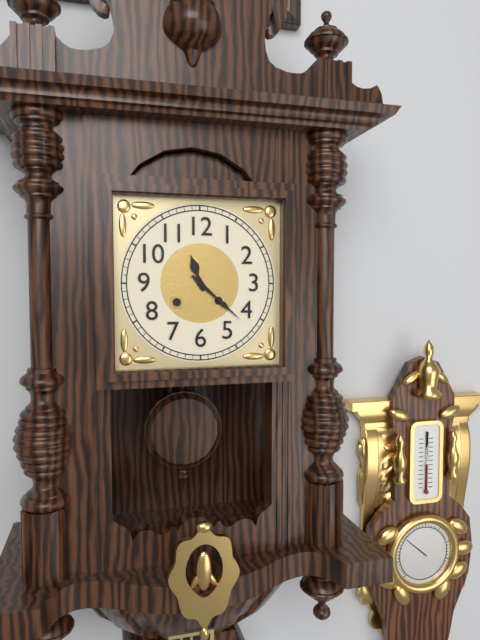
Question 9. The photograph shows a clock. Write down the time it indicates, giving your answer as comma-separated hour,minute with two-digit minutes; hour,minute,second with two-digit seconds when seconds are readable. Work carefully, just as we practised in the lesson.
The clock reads 11,22
